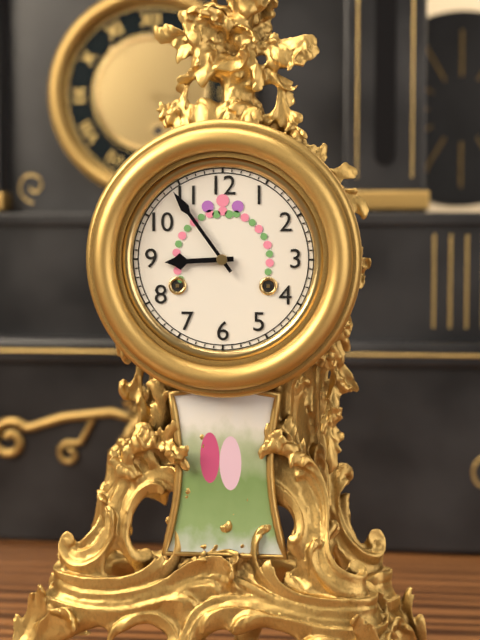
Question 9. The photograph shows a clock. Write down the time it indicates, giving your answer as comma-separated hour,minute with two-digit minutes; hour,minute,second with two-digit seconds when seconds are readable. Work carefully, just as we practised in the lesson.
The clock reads 8,54
